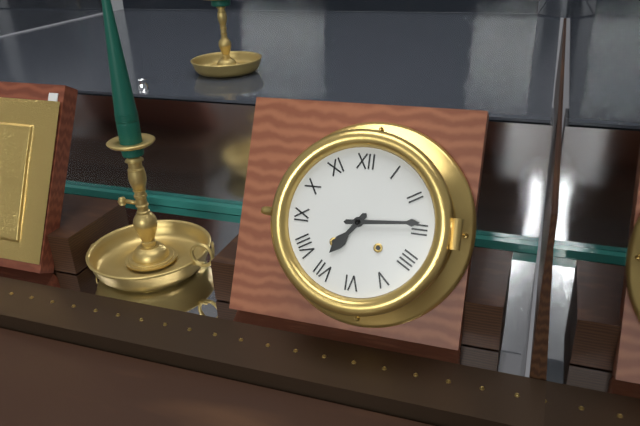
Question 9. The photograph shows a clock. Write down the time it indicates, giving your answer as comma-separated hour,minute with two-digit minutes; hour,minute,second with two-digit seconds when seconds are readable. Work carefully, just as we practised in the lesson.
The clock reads 7,14
